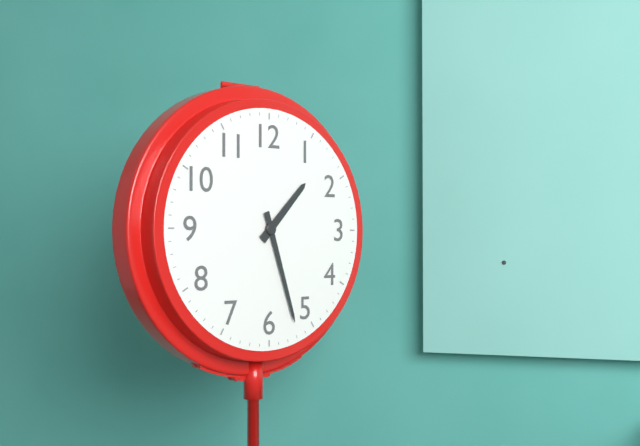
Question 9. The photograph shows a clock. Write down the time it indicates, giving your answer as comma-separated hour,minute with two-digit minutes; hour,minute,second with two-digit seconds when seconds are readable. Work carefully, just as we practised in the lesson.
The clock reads 1,27
